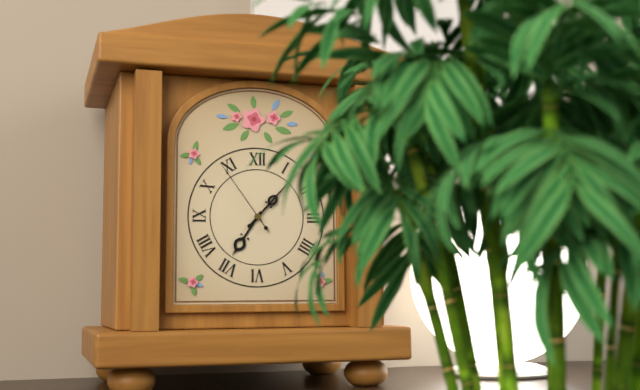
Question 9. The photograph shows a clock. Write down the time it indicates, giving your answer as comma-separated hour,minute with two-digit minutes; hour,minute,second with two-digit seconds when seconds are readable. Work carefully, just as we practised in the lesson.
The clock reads 7,07,54
